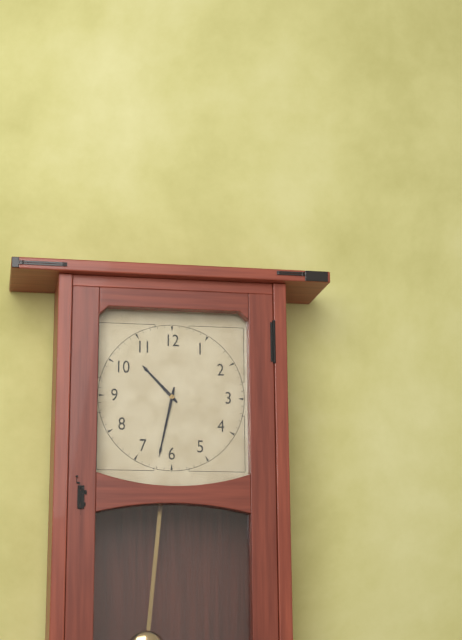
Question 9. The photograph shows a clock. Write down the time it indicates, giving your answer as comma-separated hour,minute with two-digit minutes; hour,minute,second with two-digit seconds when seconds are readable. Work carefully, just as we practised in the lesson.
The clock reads 10,32
